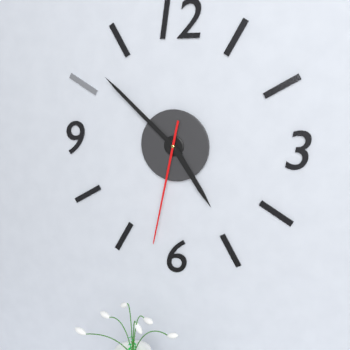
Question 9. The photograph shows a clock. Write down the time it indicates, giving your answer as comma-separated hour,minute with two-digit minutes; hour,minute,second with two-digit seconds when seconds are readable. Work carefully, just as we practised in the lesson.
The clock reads 4,52,32
